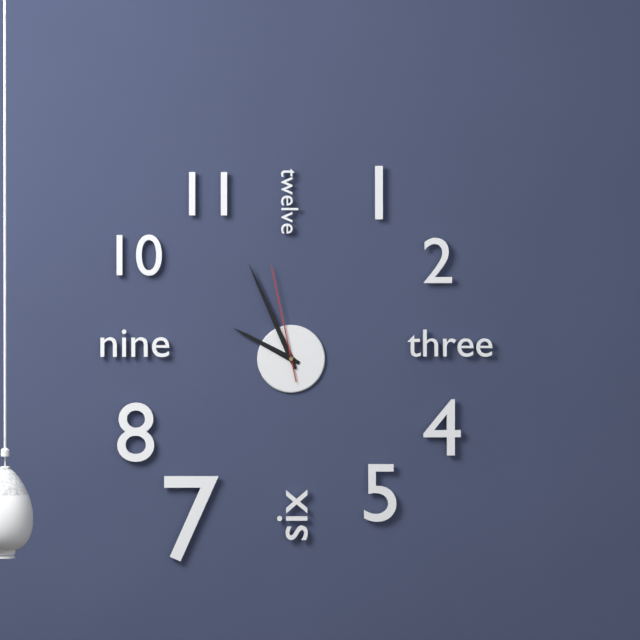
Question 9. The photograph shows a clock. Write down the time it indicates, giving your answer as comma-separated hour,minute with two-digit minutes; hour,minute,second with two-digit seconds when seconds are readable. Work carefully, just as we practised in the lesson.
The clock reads 9,56,58
